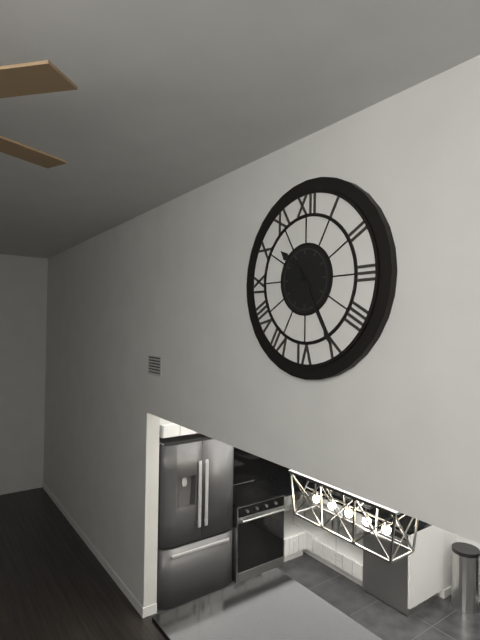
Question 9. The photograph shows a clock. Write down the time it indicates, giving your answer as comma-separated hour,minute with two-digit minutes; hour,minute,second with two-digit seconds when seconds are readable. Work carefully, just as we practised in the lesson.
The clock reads 10,25
